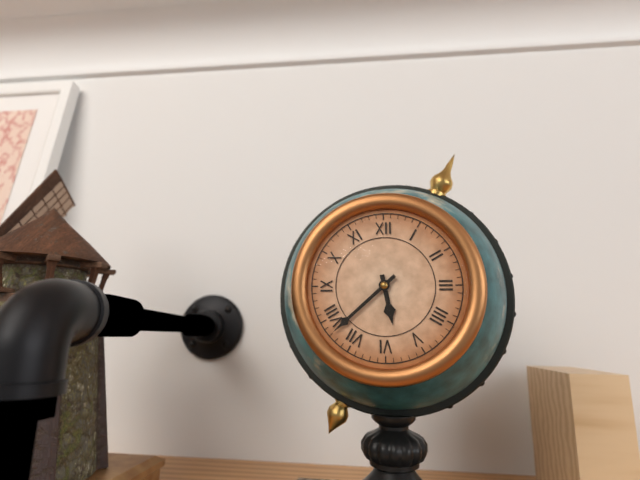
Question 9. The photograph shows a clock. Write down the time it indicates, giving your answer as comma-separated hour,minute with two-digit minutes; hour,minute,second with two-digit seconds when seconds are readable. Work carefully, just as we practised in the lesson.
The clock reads 5,38
